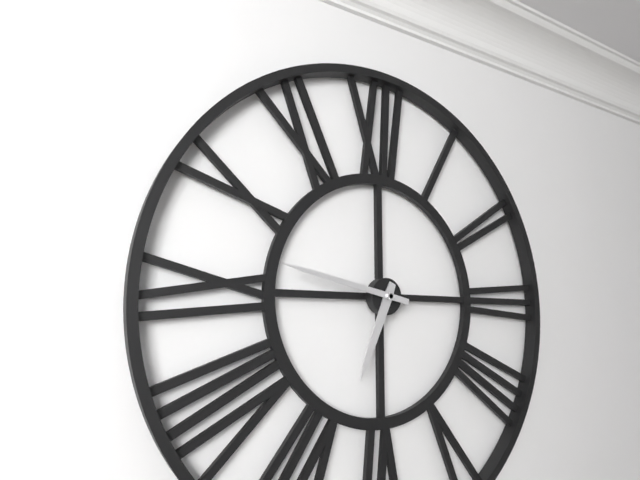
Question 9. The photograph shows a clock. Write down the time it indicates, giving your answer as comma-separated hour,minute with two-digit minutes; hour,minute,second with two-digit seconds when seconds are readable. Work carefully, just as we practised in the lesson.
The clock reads 6,47
